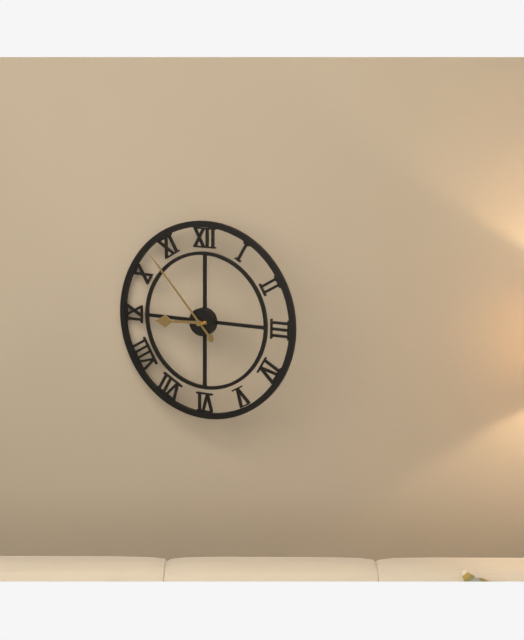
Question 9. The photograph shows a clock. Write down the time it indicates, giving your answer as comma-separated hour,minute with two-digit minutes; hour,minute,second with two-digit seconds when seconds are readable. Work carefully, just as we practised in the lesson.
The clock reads 8,53
